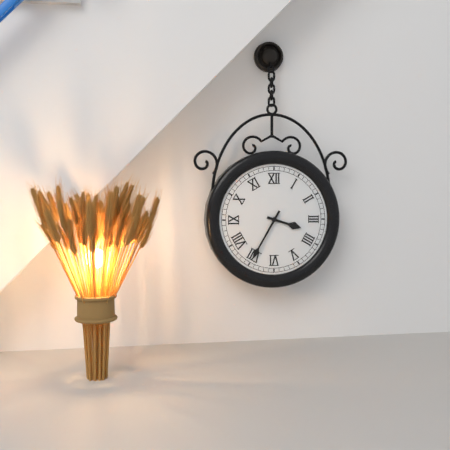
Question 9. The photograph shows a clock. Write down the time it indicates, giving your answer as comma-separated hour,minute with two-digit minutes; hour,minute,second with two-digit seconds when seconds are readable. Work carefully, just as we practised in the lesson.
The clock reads 3,35
